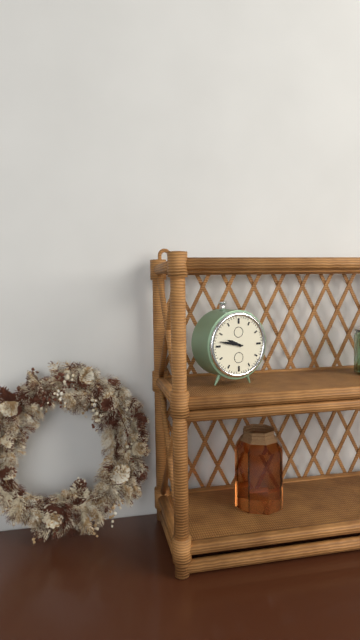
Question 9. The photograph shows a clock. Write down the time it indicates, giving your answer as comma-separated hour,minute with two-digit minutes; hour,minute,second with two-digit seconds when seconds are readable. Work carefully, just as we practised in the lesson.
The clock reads 9,47
